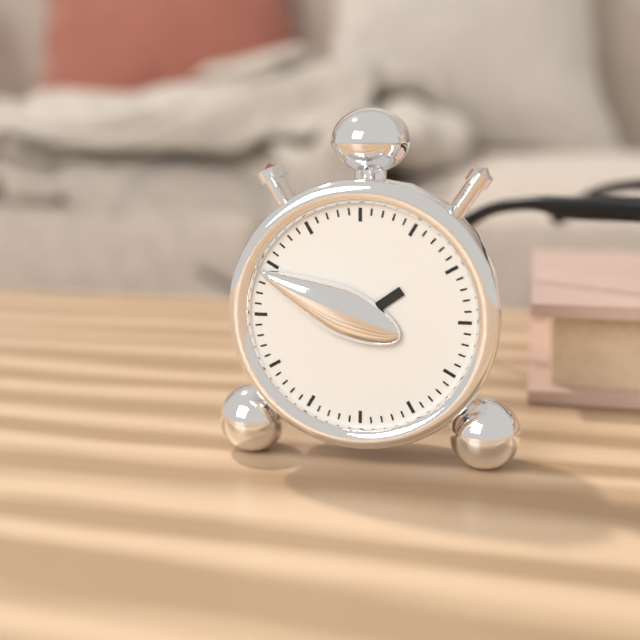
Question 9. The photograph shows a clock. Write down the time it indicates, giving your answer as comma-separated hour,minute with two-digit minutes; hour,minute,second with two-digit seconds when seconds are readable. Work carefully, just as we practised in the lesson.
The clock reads 1,49
